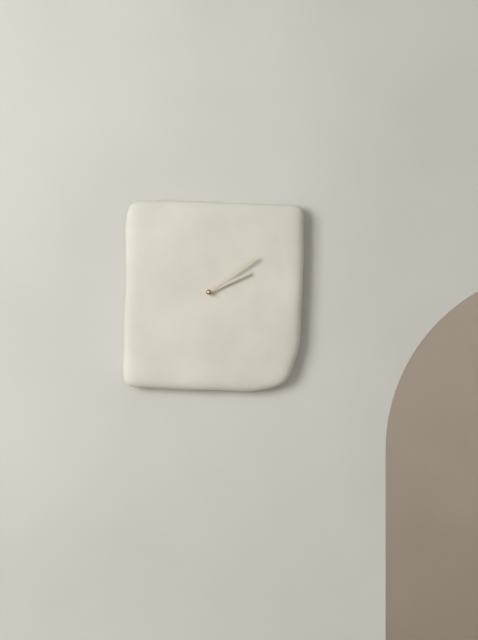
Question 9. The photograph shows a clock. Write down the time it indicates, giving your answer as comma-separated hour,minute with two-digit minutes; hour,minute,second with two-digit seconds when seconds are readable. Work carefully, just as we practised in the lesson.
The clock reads 2,09
